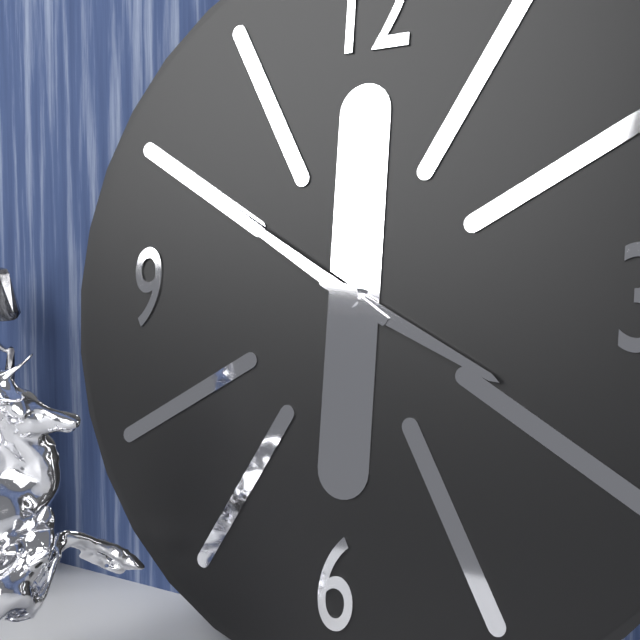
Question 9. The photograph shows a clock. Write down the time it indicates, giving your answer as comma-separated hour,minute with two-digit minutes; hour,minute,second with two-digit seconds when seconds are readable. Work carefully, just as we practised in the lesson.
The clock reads 3,50
